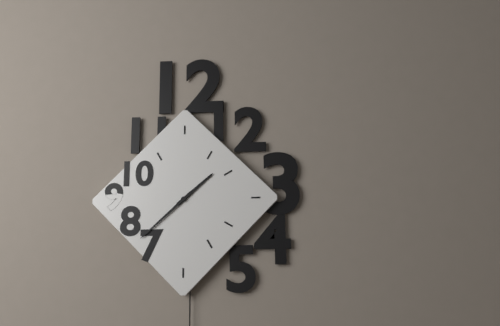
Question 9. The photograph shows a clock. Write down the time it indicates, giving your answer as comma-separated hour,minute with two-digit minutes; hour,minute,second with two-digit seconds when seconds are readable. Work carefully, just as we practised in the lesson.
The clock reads 1,38
